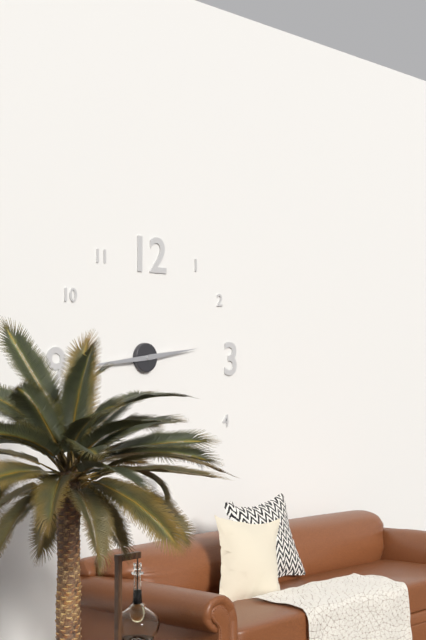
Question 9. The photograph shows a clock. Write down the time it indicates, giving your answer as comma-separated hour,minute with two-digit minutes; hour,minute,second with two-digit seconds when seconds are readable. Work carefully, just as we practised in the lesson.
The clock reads 2,44
